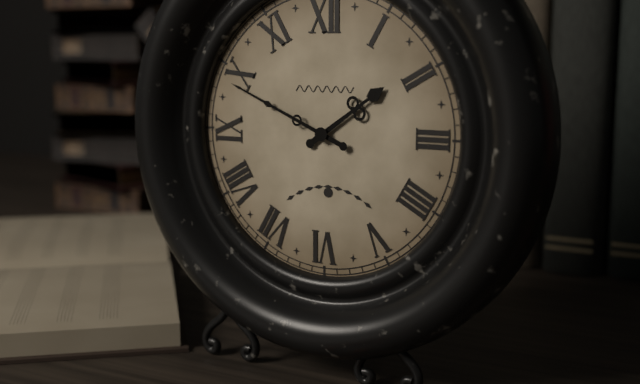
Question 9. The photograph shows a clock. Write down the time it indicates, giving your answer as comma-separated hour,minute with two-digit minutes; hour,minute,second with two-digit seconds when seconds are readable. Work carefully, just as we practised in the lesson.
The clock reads 1,49
